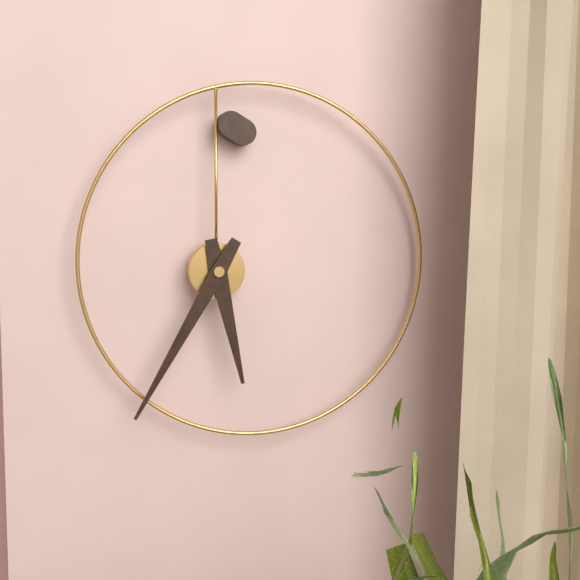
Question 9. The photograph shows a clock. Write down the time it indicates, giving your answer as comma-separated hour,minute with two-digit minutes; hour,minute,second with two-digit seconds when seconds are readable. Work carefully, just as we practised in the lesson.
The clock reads 5,35
